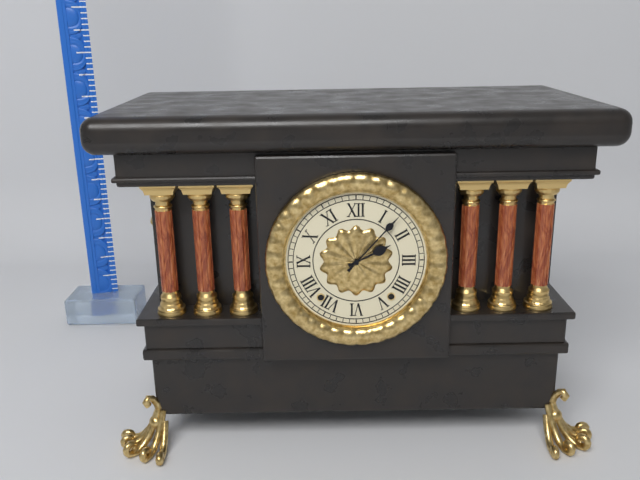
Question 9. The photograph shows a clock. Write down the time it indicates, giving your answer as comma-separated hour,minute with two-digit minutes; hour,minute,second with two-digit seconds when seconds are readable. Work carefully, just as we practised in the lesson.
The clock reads 2,07
